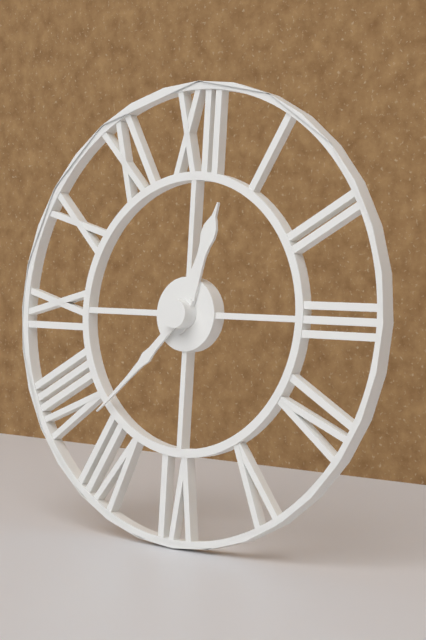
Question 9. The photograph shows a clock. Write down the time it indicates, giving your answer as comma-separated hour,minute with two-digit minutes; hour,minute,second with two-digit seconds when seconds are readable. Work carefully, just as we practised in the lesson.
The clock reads 12,37
